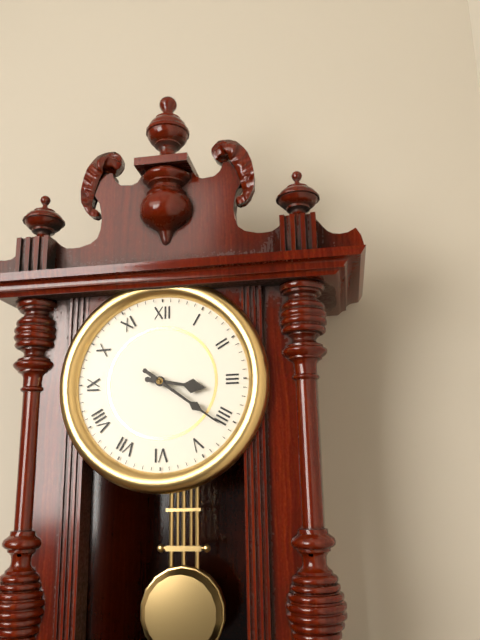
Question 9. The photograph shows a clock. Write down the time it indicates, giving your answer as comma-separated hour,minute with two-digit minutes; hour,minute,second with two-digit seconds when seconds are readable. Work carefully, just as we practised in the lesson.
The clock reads 3,21
